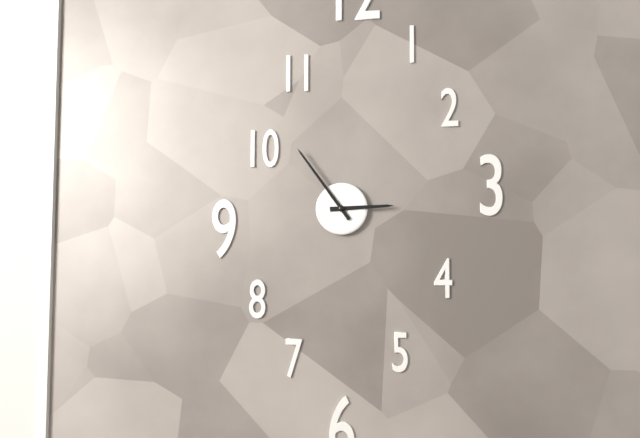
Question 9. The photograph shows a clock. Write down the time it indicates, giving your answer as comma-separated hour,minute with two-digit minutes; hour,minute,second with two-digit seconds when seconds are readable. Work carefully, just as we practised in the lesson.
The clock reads 2,54
